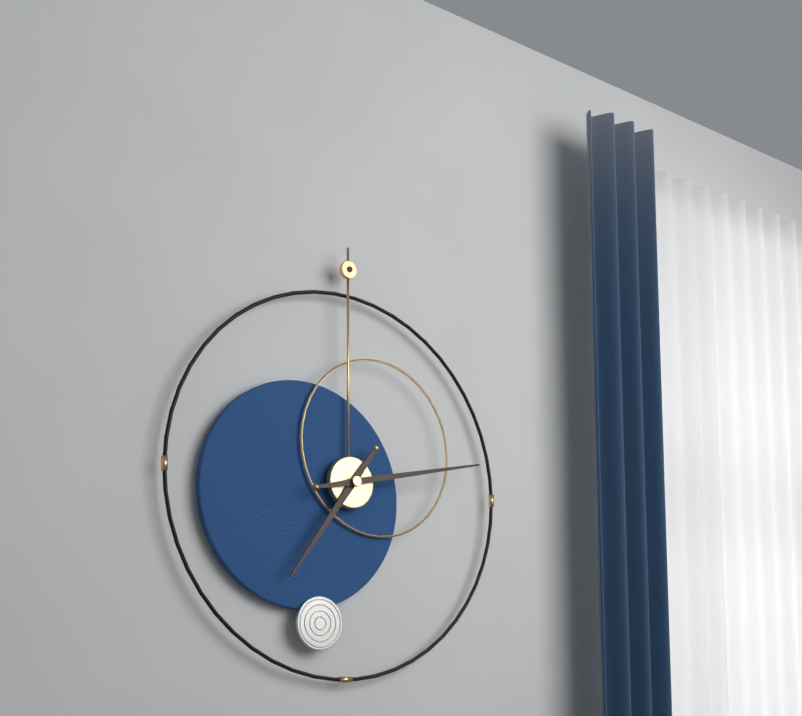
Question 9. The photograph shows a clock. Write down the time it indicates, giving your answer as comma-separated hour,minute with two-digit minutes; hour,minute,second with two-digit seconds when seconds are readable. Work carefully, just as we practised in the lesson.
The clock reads 7,13
